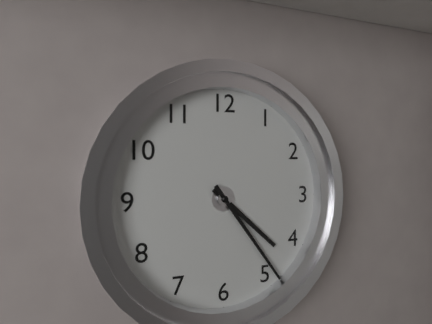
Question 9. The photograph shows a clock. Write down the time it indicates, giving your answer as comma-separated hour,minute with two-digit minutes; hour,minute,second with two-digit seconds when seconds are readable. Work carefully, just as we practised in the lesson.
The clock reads 4,24
